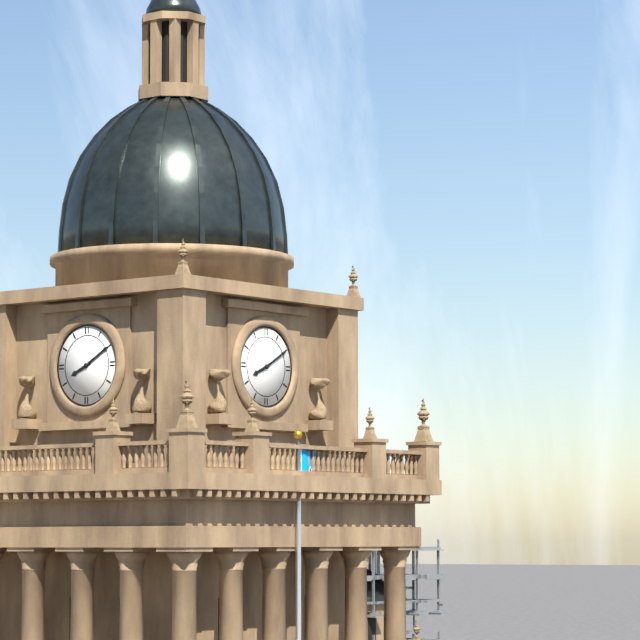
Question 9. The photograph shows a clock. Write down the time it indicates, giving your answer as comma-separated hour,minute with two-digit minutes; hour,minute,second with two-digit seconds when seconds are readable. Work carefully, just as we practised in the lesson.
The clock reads 8,10
